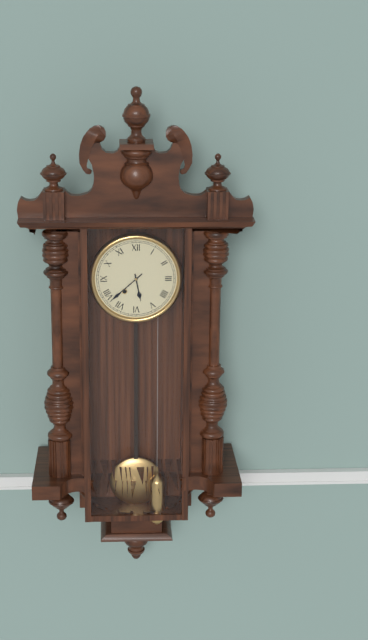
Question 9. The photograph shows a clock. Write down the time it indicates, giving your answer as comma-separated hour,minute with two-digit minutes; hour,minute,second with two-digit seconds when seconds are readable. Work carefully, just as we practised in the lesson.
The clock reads 5,38
